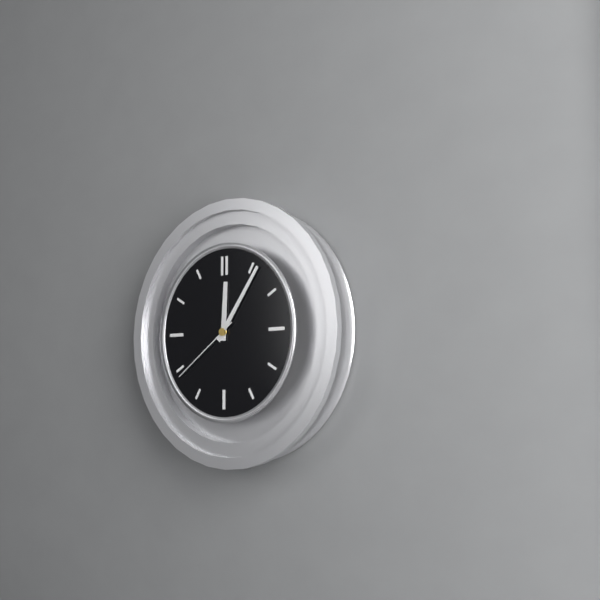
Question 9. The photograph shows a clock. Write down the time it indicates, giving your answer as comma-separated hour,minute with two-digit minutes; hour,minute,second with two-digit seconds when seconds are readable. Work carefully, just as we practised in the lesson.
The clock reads 12,06,39
